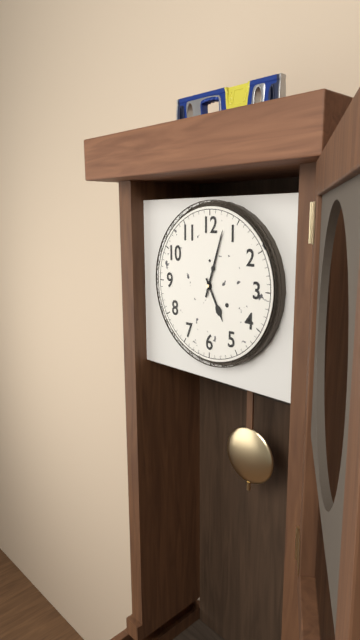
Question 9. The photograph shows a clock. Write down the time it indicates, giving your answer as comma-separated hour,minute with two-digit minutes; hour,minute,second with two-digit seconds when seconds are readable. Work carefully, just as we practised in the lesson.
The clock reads 5,03
